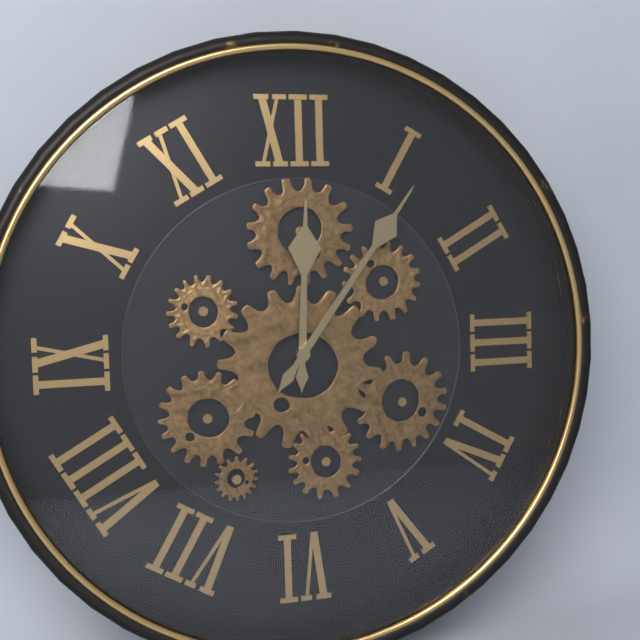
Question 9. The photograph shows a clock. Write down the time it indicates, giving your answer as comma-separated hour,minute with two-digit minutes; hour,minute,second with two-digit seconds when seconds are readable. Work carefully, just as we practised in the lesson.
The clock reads 12,06
